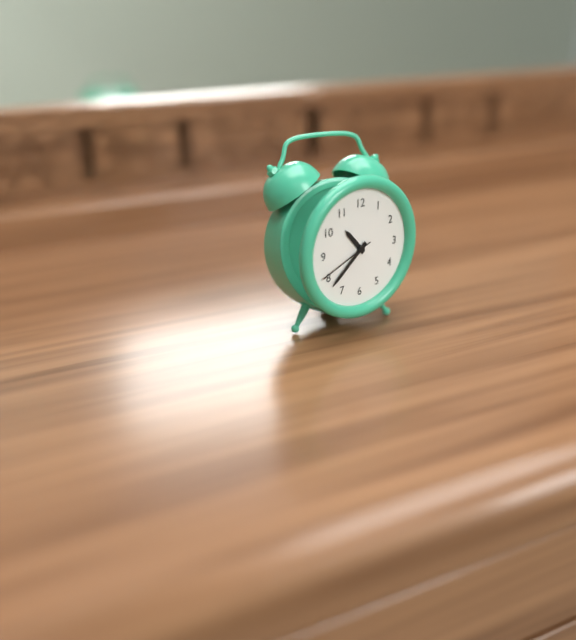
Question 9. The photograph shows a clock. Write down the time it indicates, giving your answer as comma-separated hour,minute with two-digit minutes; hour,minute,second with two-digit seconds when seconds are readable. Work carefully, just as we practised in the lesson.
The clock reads 10,38,41
